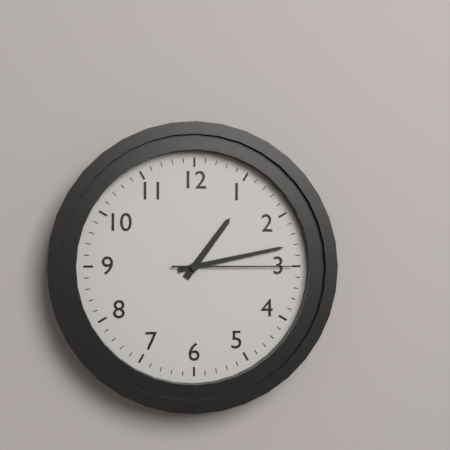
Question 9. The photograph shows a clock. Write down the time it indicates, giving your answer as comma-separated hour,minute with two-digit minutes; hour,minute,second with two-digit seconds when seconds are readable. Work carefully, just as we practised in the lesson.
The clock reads 1,13,15
